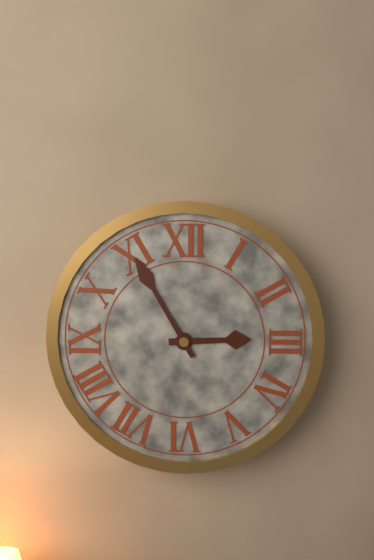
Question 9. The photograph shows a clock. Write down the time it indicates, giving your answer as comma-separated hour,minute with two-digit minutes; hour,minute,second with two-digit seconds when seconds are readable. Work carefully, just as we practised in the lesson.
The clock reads 2,55
